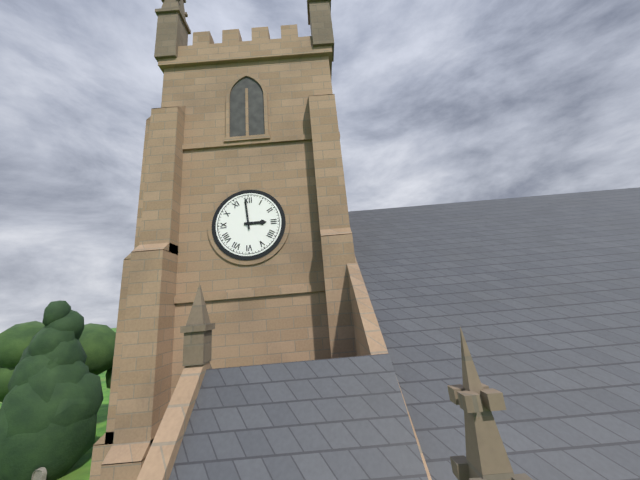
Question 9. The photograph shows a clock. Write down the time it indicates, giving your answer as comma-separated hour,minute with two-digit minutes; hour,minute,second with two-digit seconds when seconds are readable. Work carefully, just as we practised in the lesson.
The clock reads 2,59
